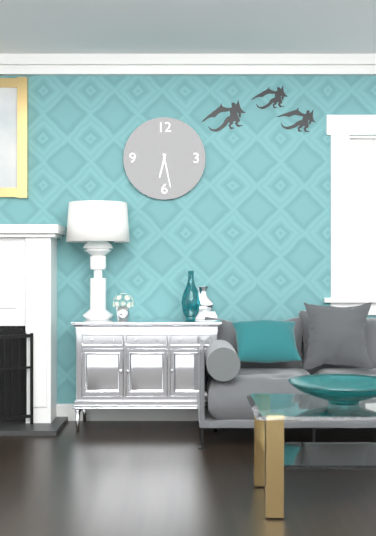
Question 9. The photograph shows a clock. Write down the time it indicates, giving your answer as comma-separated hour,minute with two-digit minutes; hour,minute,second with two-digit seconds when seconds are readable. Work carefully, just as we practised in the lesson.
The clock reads 6,28
